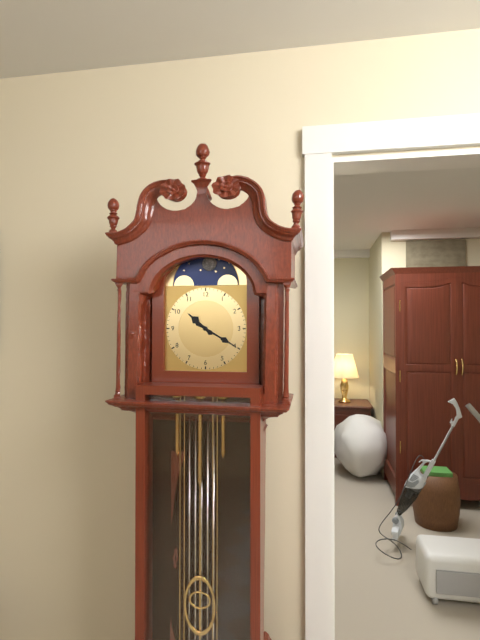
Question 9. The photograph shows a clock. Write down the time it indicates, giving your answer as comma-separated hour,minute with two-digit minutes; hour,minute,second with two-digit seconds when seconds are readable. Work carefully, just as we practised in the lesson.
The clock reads 10,20
